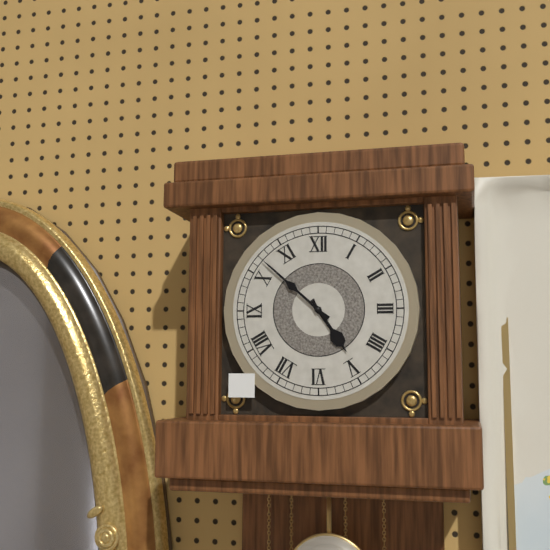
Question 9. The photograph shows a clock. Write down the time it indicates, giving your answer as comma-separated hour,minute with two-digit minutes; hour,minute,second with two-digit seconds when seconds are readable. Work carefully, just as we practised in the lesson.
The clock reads 4,52
